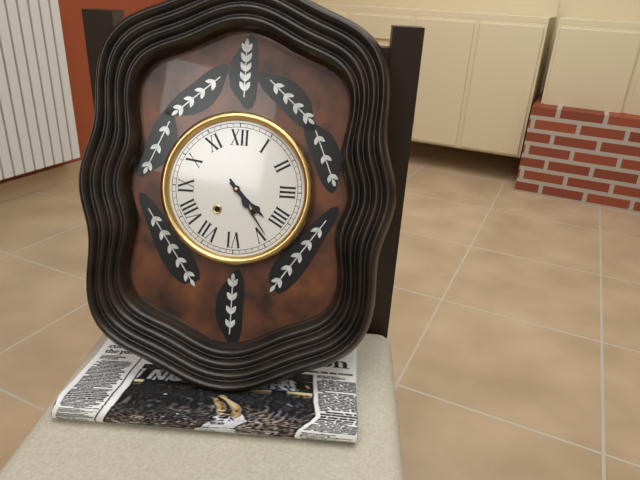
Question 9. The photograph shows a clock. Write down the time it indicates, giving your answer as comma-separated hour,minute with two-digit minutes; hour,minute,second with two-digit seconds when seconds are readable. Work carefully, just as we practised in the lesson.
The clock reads 4,24
